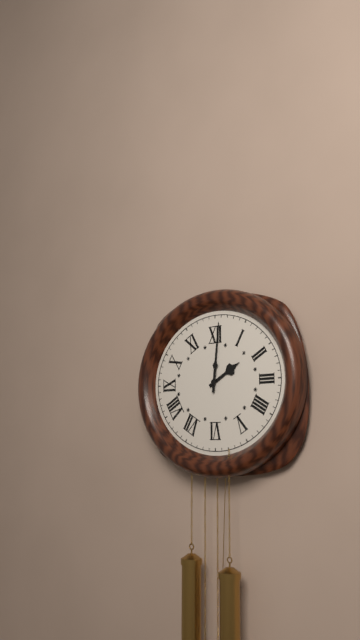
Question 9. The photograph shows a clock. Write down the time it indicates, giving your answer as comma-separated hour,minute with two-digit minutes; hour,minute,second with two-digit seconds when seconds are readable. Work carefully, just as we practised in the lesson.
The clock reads 2,01
